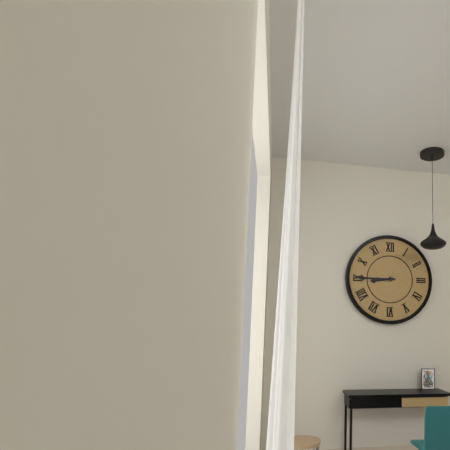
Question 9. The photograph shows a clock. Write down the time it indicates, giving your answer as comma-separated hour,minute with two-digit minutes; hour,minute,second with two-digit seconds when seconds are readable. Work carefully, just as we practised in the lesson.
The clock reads 8,45
